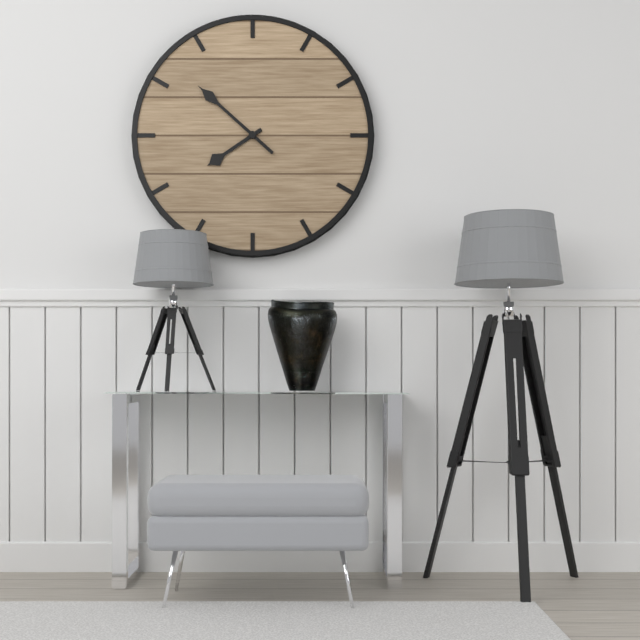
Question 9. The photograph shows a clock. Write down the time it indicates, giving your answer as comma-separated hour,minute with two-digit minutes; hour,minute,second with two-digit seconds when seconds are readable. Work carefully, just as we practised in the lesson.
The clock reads 7,52
